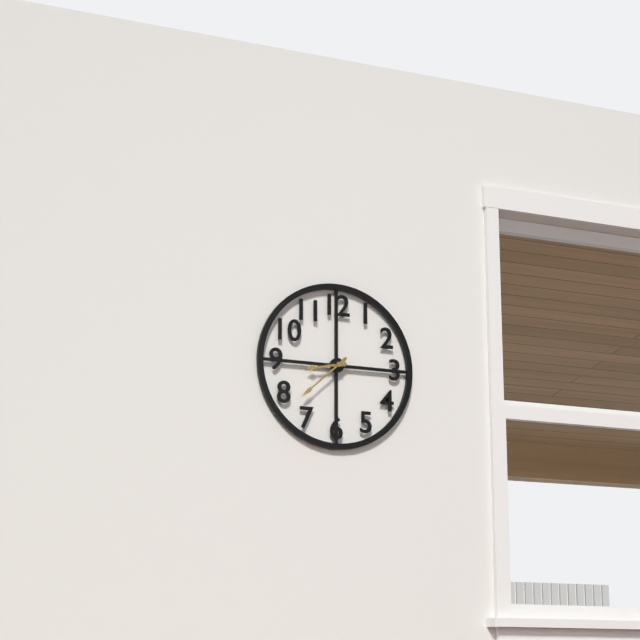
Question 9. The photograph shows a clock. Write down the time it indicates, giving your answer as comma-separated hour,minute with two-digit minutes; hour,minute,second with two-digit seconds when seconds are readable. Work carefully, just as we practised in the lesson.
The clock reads 8,38
